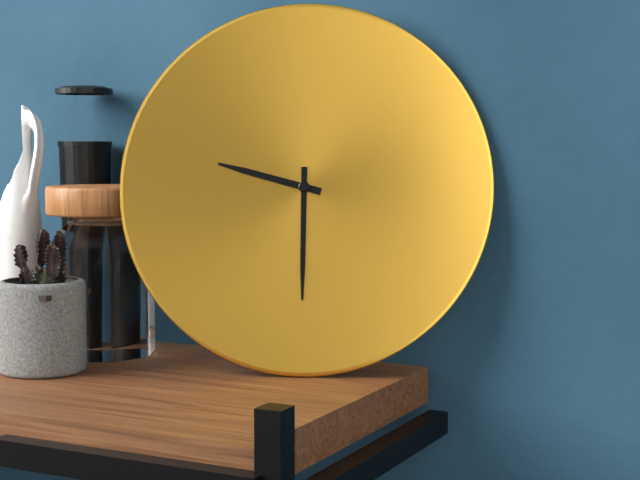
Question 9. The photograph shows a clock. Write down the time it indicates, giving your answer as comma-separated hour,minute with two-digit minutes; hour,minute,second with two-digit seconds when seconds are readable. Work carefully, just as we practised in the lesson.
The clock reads 9,30
